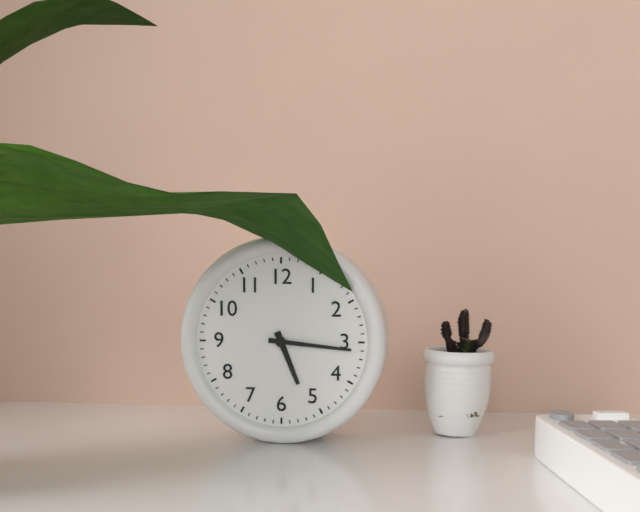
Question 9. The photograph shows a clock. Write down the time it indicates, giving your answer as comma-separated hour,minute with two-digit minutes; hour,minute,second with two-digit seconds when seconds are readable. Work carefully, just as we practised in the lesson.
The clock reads 5,16
